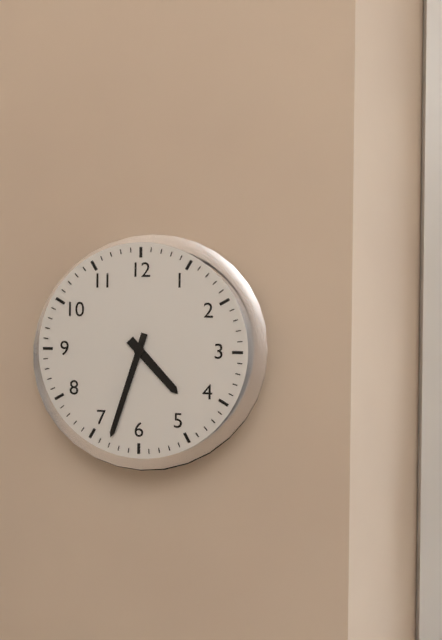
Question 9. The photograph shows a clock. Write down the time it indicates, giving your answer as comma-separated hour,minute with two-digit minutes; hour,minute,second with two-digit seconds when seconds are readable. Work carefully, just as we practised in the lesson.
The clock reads 4,33
